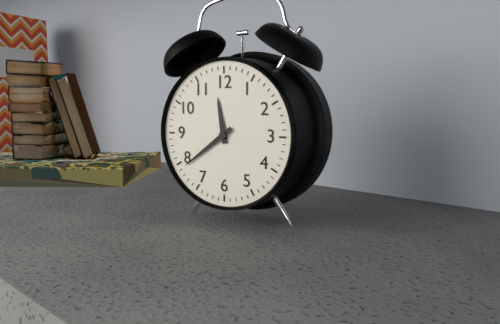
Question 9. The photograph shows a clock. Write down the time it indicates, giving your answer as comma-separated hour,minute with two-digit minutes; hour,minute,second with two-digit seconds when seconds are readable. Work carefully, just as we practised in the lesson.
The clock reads 11,39
